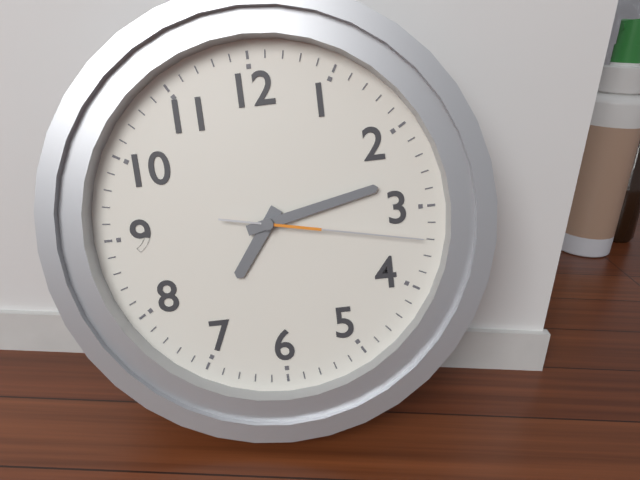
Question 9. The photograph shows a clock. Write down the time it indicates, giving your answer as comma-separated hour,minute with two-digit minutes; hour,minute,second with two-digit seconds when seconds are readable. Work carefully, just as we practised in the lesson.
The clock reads 7,13,17
